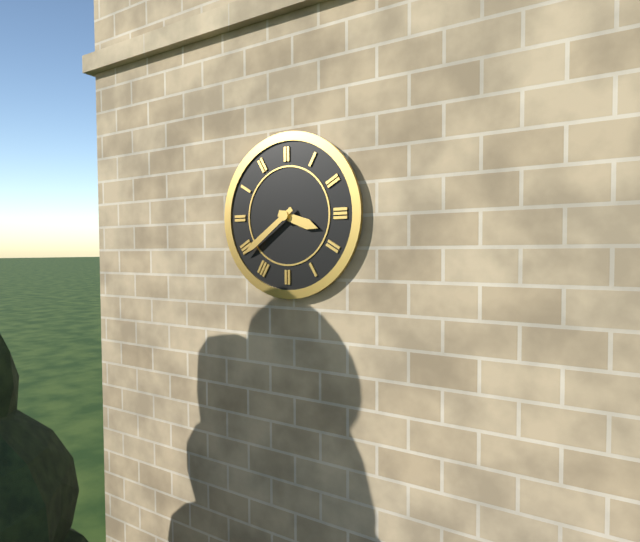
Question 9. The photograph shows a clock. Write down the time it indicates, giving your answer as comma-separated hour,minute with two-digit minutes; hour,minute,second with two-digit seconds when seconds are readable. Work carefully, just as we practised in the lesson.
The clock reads 3,39
